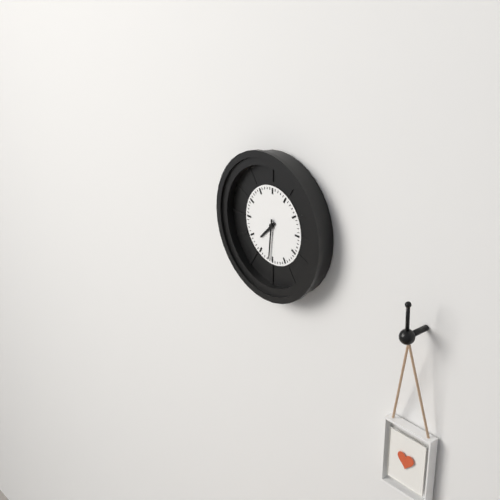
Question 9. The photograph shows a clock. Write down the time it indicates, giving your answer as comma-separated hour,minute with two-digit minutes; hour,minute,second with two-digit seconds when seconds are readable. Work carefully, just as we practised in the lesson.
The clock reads 7,31
